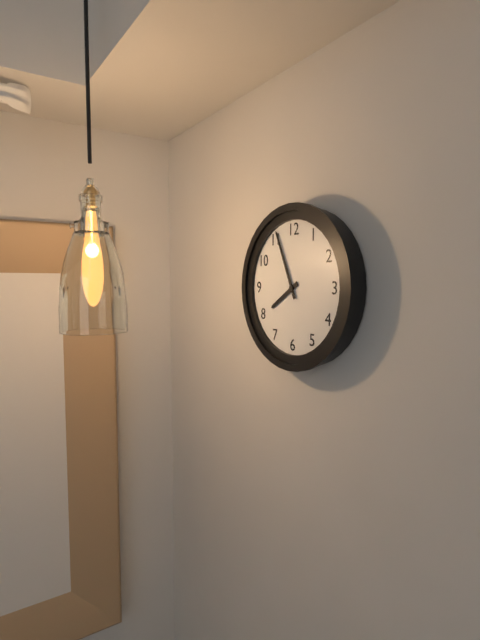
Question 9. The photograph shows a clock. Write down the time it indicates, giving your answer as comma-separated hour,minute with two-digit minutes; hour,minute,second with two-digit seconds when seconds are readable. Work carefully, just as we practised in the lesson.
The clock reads 7,56
